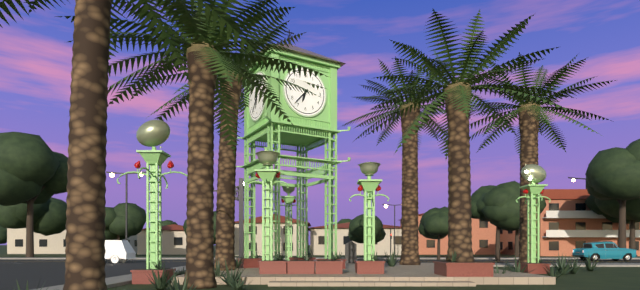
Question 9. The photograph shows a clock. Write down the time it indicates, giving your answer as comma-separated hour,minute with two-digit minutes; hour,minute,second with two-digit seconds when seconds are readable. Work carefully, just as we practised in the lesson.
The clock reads 6,37
